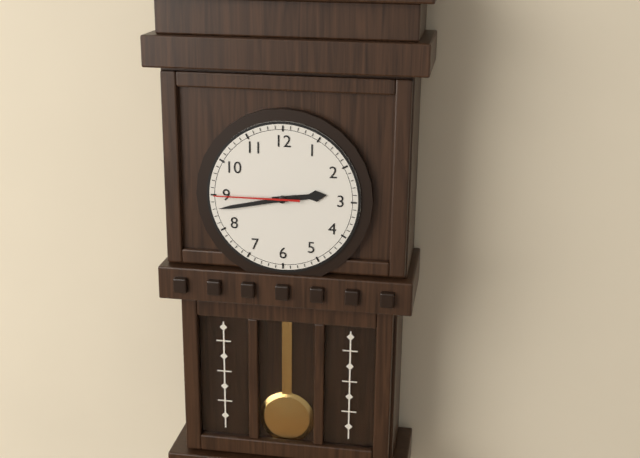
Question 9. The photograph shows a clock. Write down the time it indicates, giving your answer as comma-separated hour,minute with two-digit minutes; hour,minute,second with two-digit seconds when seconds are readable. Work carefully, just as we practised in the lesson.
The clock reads 2,43,45
